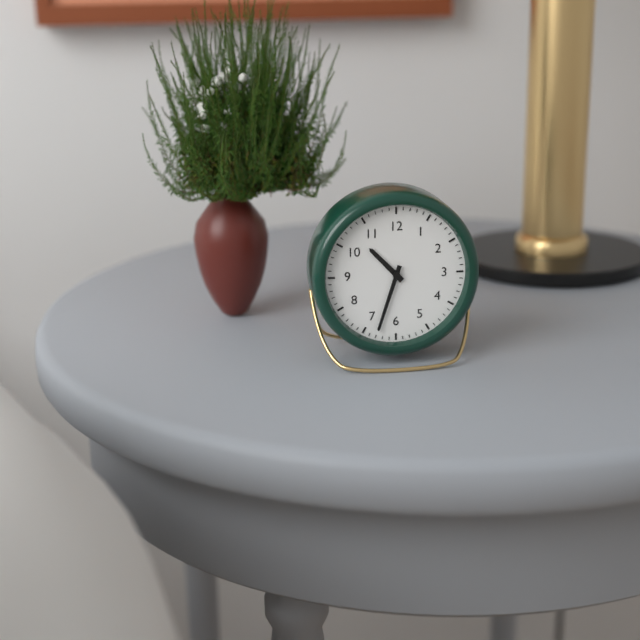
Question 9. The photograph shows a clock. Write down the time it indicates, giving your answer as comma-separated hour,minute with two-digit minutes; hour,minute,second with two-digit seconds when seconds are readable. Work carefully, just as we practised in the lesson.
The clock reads 10,33
